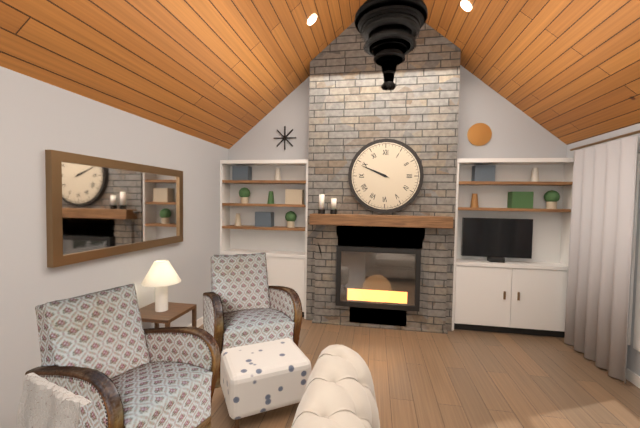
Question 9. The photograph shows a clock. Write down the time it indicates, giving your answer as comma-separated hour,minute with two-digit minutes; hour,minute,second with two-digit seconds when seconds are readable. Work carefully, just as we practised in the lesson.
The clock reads 9,49
